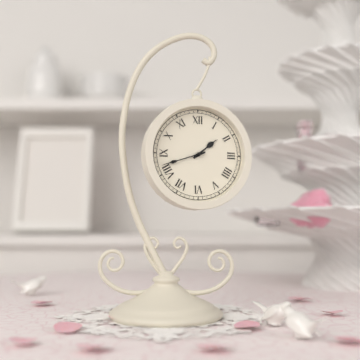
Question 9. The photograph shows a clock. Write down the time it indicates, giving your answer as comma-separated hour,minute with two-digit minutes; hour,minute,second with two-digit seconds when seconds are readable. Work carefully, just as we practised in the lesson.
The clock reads 1,42
